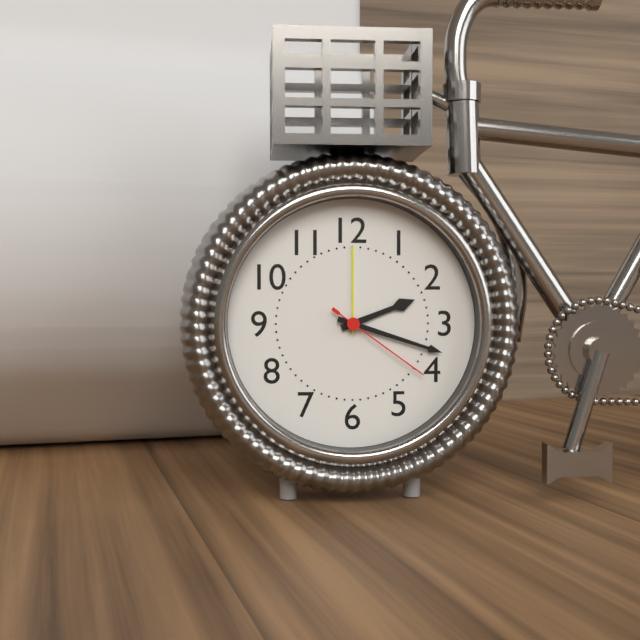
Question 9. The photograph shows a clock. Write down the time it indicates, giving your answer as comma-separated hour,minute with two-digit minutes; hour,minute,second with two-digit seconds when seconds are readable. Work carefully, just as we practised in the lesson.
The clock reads 2,18,21
